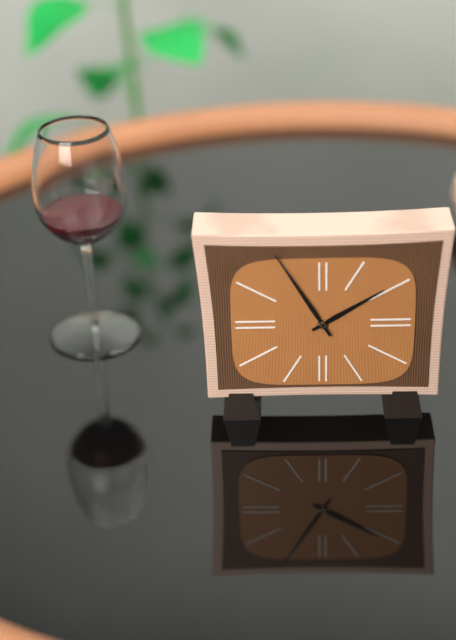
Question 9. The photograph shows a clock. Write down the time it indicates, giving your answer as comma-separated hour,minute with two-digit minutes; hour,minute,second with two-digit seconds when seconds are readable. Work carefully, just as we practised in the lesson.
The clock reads 1,55
